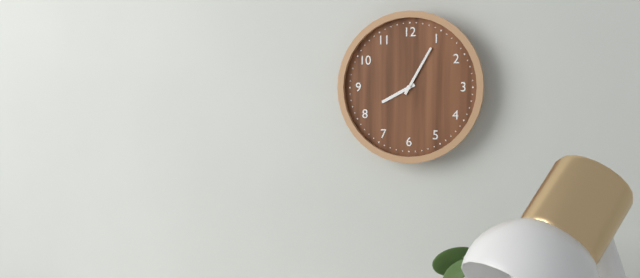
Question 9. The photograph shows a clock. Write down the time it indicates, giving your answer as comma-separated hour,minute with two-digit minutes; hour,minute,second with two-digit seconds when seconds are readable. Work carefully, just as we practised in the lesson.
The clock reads 8,05
